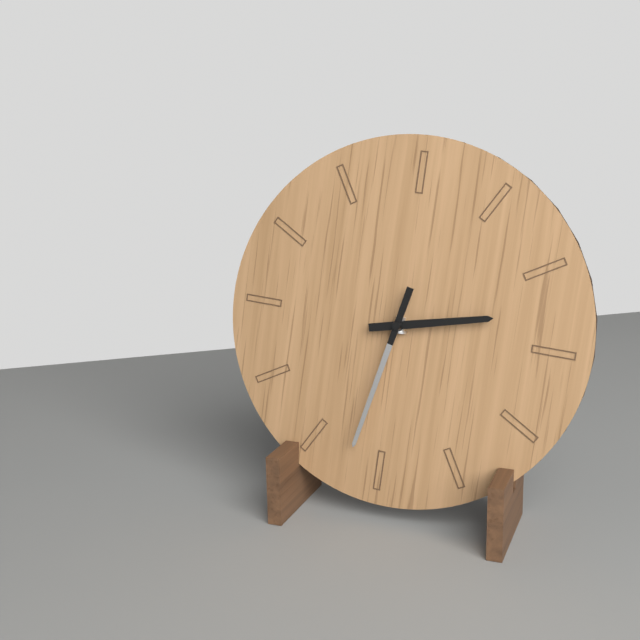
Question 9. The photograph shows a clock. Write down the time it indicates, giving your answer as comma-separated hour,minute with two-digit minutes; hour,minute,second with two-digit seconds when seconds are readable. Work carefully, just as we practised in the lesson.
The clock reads 2,32
